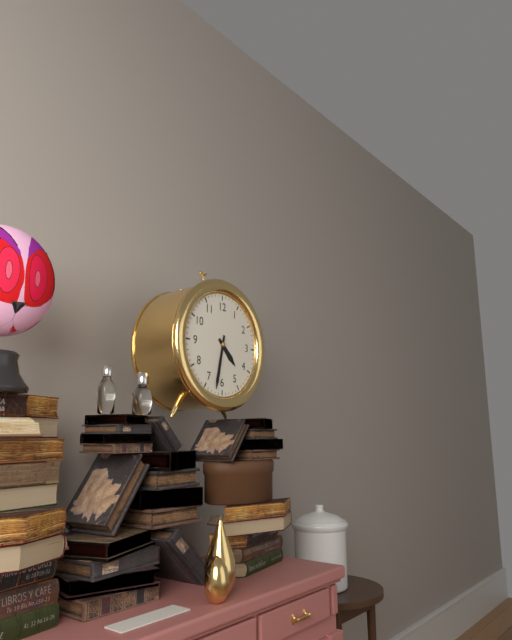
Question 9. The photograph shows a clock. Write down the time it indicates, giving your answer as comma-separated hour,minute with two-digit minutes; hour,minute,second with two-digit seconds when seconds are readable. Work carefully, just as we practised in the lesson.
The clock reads 4,32
